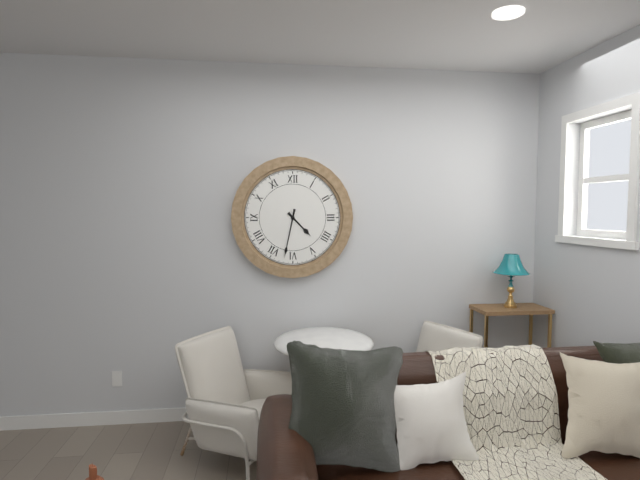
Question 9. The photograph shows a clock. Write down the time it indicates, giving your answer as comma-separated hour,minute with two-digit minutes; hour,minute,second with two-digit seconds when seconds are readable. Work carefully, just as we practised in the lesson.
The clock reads 4,32
